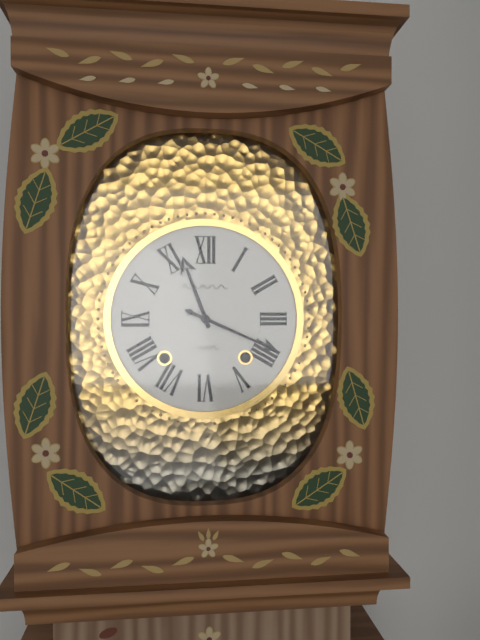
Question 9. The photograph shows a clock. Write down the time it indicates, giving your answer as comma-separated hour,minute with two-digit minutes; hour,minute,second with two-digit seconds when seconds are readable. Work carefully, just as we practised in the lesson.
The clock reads 11,19
